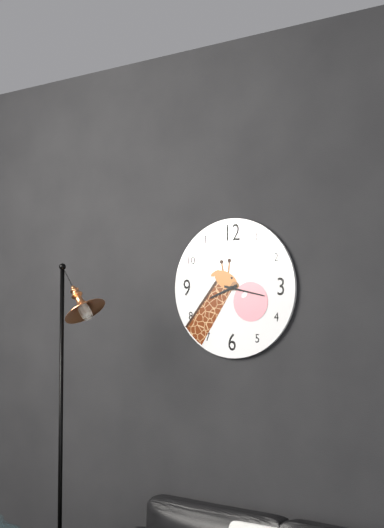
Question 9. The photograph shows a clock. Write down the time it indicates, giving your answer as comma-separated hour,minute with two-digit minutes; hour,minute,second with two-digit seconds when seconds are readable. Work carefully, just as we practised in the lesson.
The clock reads 8,17
